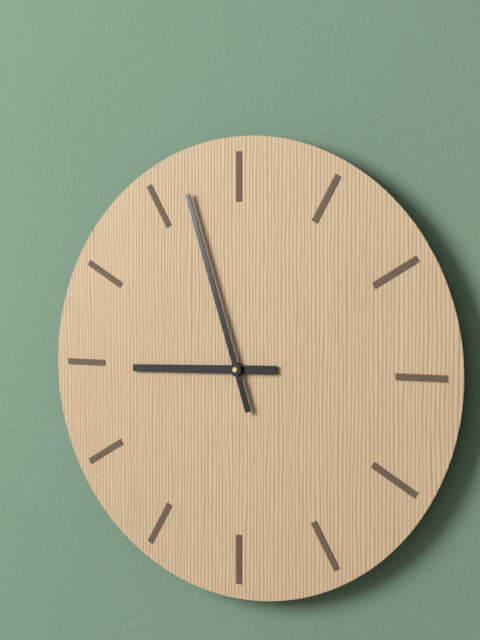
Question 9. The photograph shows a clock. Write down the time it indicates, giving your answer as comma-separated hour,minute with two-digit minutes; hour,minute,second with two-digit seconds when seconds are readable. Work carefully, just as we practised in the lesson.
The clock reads 8,57
